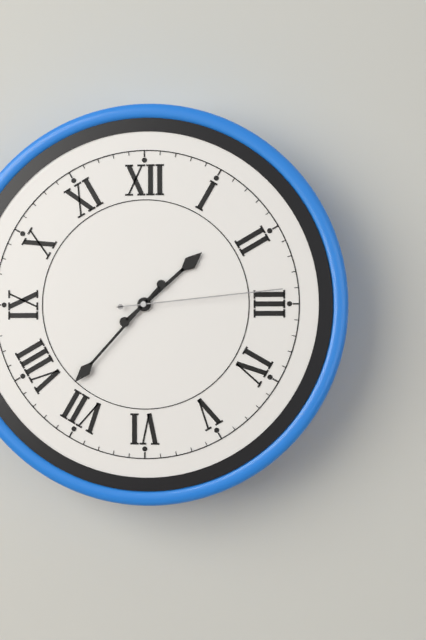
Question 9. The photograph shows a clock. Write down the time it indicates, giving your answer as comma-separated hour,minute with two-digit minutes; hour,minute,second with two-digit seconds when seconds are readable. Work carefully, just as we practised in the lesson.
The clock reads 1,37,14
